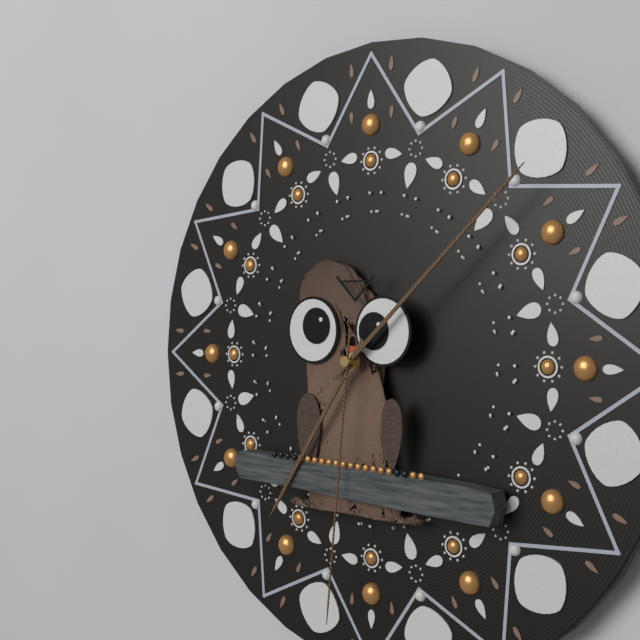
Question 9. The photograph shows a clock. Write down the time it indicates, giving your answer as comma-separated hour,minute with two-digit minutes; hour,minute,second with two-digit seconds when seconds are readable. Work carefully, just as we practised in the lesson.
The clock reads 7,08,31
